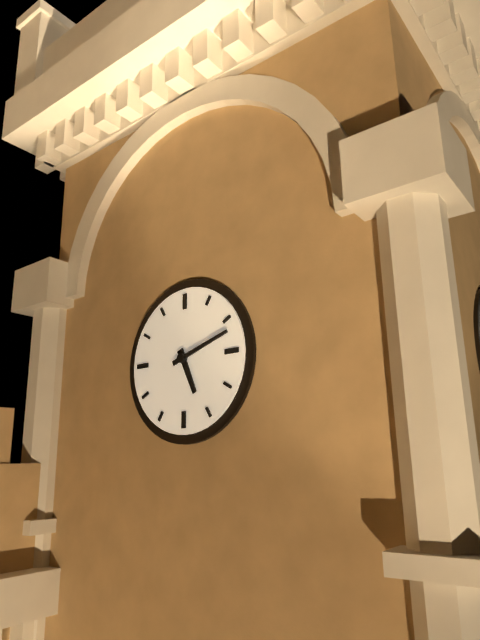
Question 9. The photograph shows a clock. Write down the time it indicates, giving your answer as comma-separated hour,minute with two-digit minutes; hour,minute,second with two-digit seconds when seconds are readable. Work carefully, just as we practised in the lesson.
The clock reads 5,12
